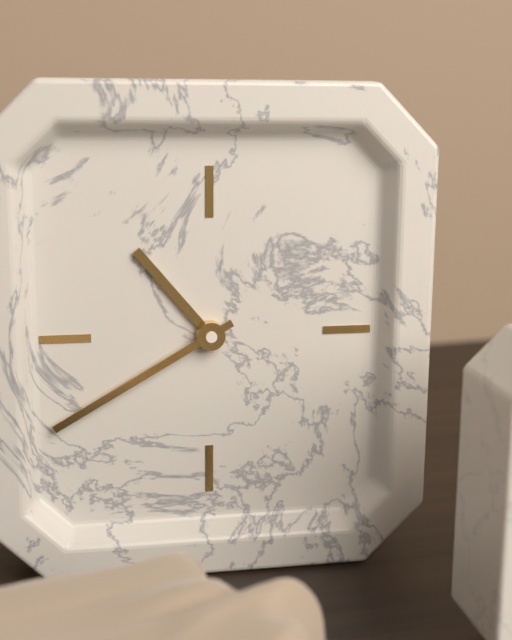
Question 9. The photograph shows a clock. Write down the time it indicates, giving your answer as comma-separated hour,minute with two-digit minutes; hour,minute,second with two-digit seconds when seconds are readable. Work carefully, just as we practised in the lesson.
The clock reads 10,40
